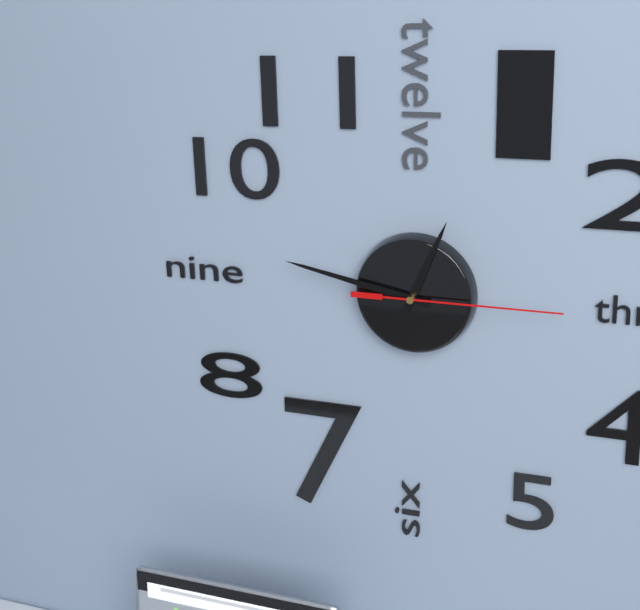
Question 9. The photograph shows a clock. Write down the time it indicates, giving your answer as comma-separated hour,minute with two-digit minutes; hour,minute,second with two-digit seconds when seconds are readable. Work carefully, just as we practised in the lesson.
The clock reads 12,47,15
